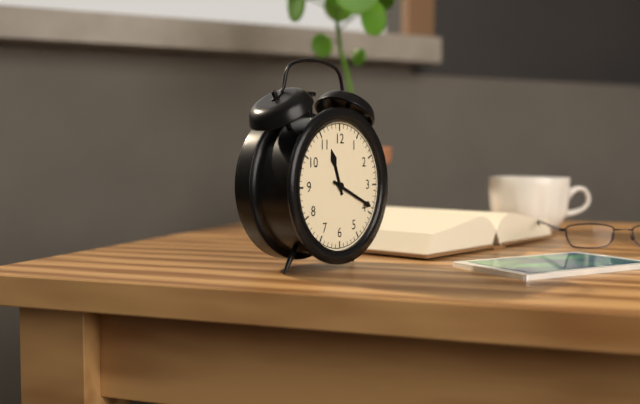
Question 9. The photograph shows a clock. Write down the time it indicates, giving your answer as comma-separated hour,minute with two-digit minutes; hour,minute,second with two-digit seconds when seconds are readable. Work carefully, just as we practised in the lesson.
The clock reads 11,19
